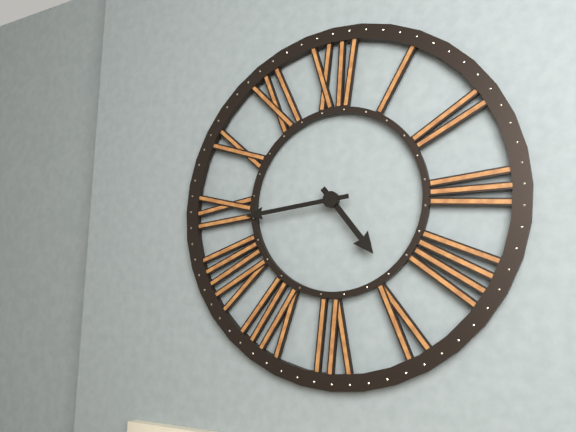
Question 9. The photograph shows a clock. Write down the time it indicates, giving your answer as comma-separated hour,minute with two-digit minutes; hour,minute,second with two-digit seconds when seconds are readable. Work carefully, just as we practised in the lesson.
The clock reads 4,44
